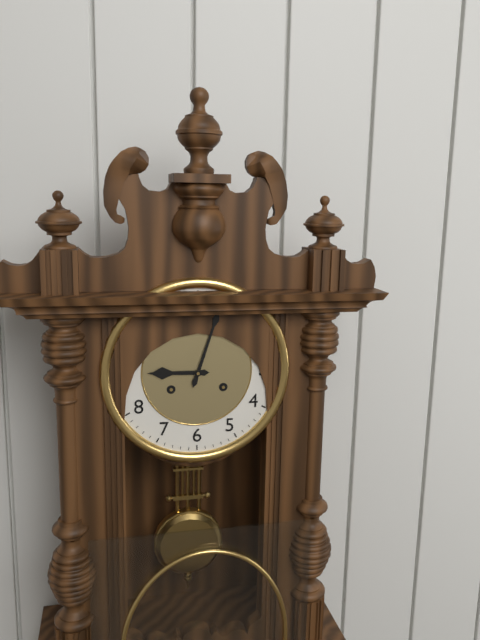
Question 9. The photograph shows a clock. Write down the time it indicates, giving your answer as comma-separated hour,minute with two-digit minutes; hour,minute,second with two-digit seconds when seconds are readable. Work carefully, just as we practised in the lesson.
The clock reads 9,03
